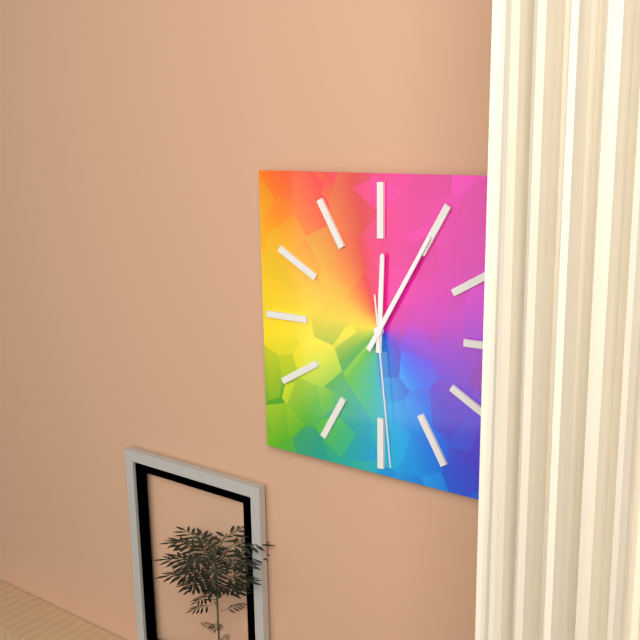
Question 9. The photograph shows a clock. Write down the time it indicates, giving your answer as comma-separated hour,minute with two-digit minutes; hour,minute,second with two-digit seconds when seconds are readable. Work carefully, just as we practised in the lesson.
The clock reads 12,05,29
